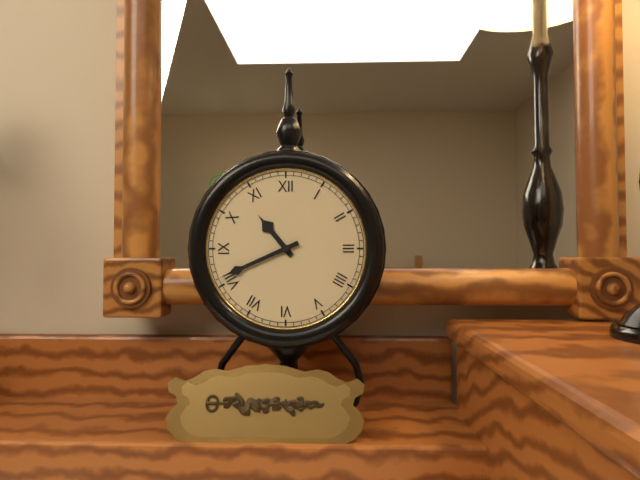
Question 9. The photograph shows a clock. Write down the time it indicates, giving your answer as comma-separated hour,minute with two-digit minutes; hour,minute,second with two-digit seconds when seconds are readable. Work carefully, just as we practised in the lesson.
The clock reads 10,41
